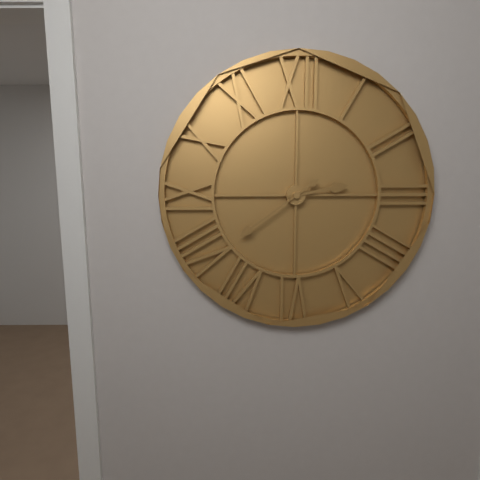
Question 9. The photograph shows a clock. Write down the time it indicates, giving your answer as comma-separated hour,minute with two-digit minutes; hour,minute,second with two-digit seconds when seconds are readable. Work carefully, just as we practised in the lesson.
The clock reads 2,39
